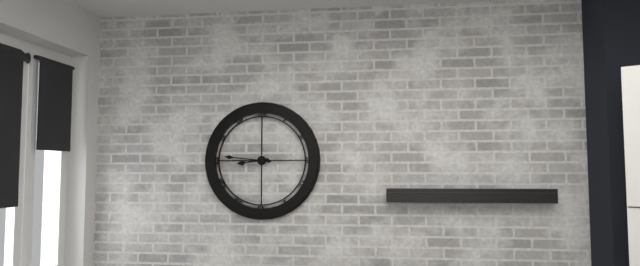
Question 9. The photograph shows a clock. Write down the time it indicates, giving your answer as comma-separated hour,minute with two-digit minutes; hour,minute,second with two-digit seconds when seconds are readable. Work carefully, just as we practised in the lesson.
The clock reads 8,46
